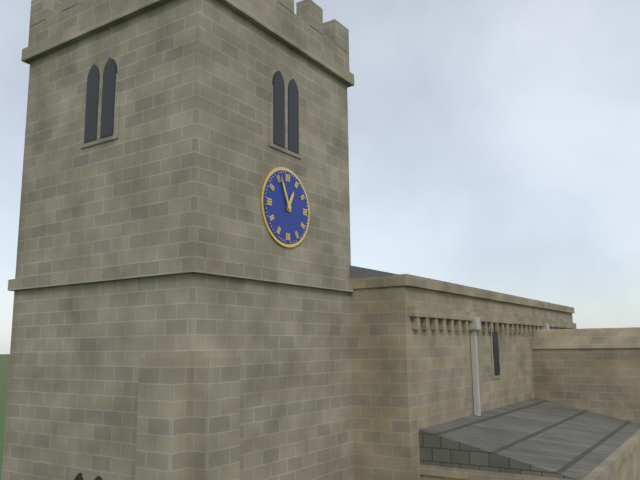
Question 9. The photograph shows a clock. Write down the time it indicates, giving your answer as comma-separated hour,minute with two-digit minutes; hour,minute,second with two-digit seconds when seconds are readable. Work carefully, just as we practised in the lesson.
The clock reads 12,56
